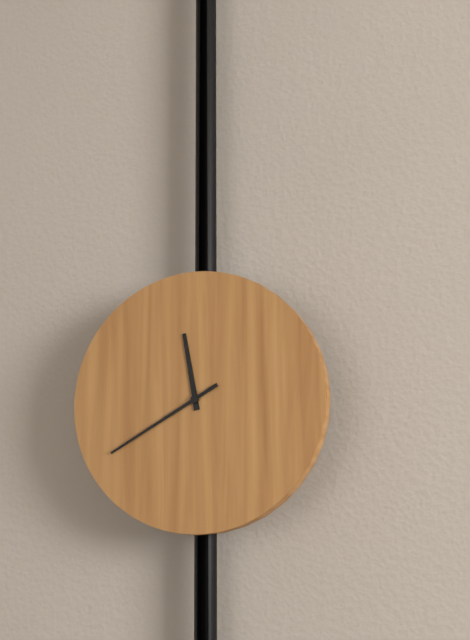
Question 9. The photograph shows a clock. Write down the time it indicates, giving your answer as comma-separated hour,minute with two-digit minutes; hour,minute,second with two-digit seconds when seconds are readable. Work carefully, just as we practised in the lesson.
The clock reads 11,40
